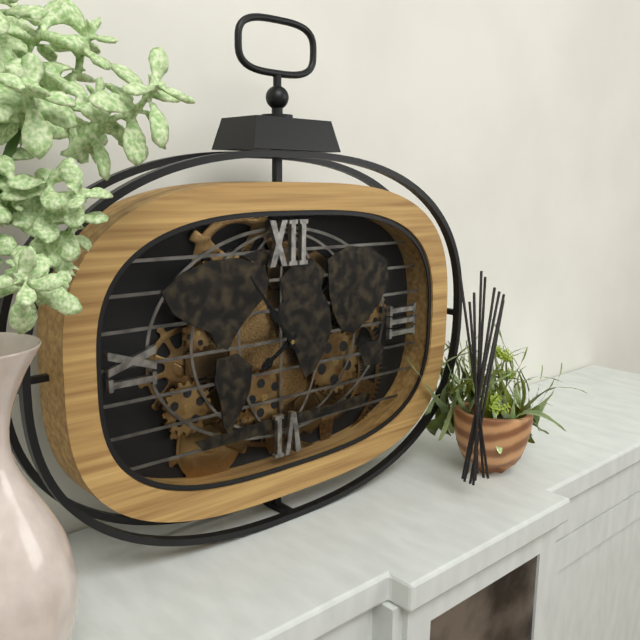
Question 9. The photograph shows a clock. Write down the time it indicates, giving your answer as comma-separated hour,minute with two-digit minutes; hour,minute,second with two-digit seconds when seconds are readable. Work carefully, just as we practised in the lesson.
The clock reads 7,54
